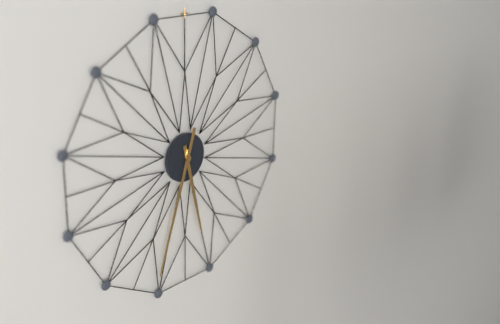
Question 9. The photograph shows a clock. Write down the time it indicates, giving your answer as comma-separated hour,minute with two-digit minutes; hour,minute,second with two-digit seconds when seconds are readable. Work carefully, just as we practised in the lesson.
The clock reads 5,33
